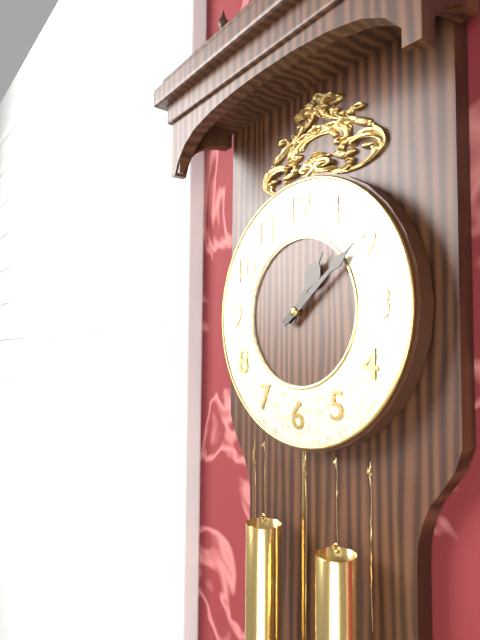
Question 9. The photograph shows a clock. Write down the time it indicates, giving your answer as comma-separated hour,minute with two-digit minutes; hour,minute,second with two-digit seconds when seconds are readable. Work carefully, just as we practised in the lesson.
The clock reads 1,09
